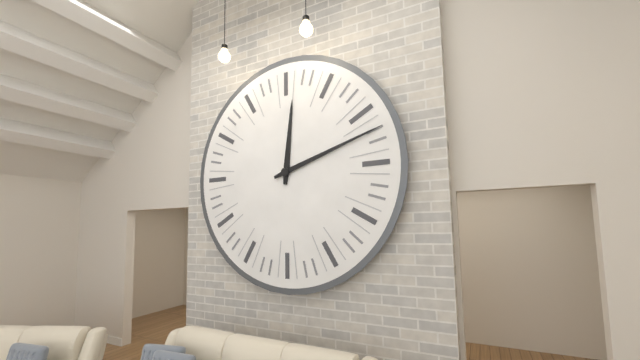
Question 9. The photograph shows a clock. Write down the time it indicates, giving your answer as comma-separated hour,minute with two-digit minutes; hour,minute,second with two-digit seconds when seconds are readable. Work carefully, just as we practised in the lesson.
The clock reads 12,12
